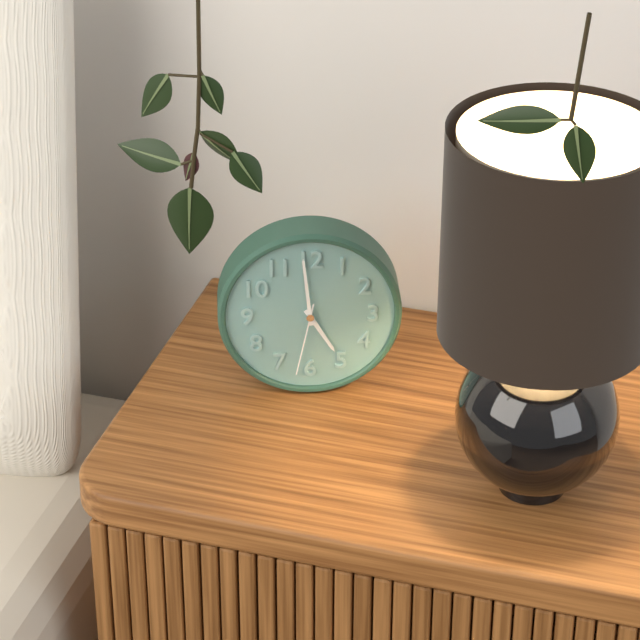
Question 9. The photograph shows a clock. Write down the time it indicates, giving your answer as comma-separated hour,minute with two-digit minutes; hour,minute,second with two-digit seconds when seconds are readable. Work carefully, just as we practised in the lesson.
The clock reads 4,59,32
